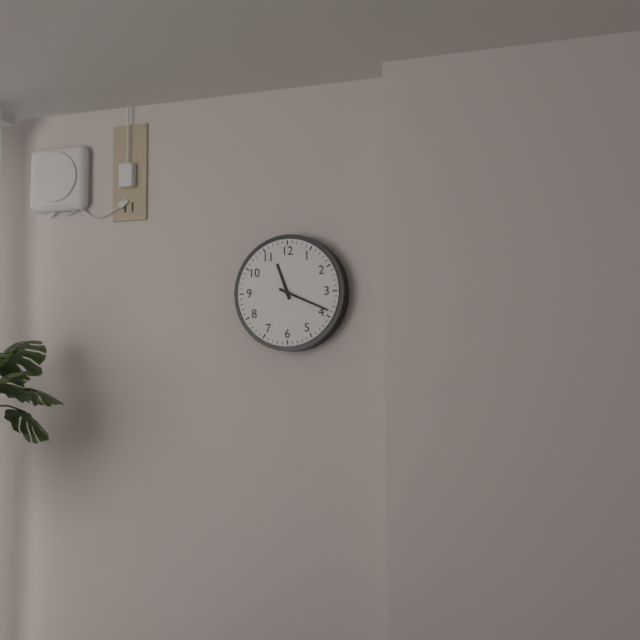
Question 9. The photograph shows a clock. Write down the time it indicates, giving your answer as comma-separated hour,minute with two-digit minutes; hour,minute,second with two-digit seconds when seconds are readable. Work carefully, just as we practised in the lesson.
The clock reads 11,19
